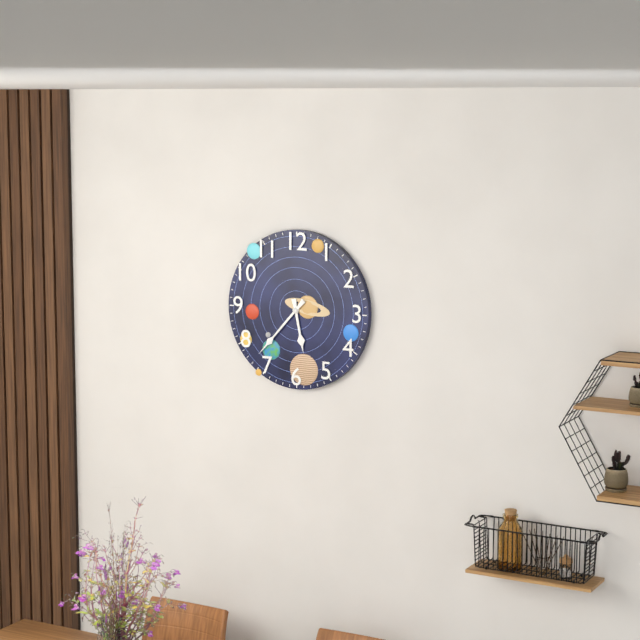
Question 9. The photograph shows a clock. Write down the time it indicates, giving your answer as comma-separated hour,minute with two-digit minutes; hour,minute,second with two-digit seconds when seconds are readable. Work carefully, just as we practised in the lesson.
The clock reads 5,37
